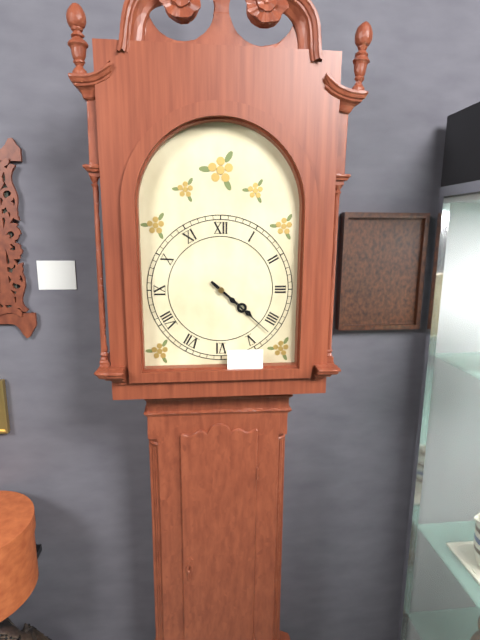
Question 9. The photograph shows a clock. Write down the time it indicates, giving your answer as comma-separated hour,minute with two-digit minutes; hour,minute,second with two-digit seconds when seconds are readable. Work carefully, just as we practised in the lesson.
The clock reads 4,22
